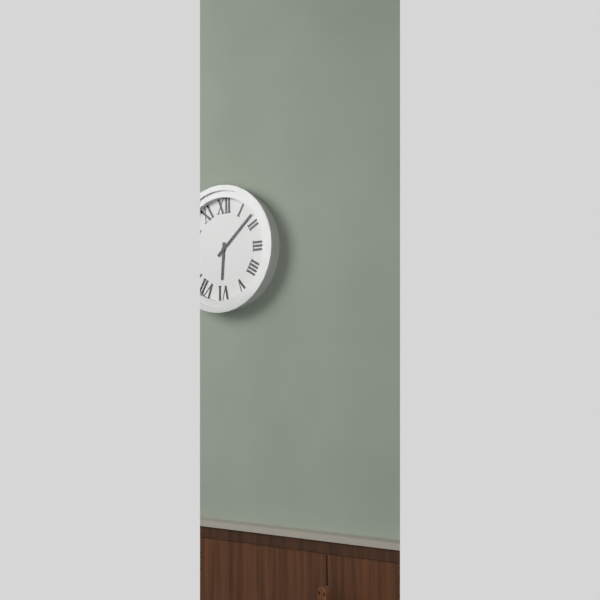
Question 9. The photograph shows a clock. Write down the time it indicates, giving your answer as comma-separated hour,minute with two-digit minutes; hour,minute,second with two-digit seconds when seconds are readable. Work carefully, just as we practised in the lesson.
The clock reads 6,08
